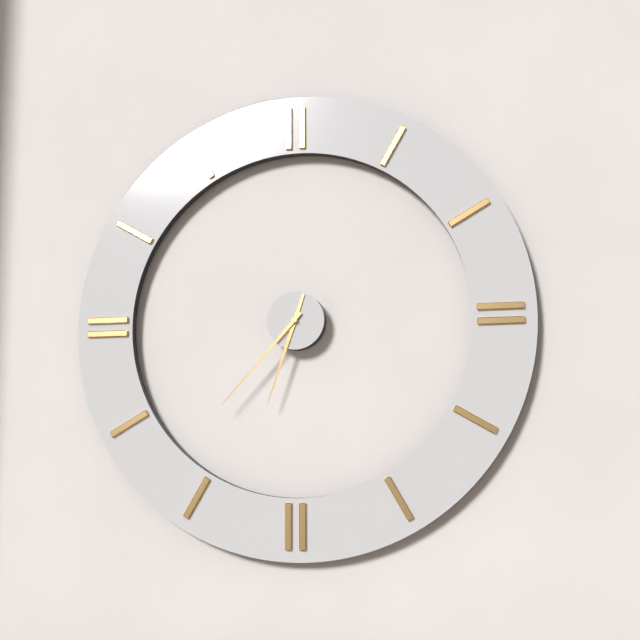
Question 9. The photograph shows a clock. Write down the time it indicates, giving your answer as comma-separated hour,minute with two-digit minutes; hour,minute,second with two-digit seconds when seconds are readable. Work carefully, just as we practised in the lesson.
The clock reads 6,37
